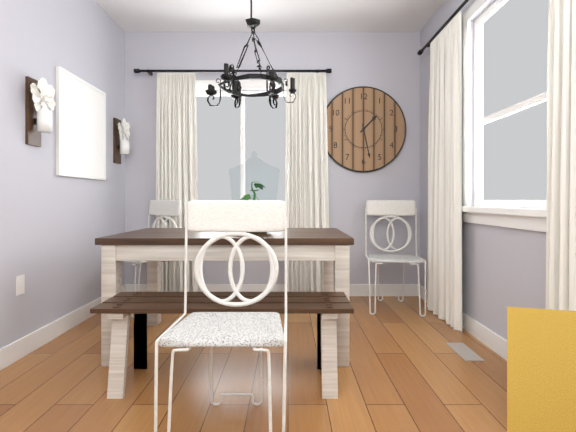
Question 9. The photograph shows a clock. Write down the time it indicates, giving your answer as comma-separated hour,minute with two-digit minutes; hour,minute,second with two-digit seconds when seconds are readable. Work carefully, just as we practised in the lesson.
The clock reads 1,28
